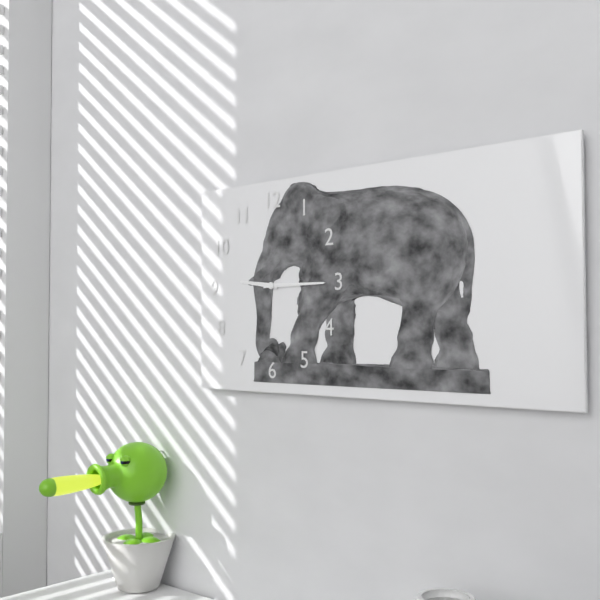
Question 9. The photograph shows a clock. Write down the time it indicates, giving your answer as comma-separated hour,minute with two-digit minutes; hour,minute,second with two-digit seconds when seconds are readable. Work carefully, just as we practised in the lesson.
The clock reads 9,15
